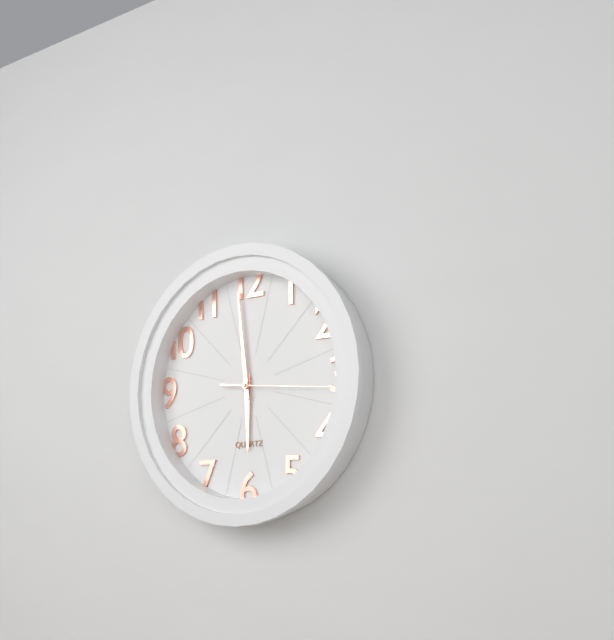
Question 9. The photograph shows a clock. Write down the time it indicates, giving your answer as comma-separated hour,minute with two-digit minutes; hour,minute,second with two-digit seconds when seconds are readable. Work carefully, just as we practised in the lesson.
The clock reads 5,59,16
